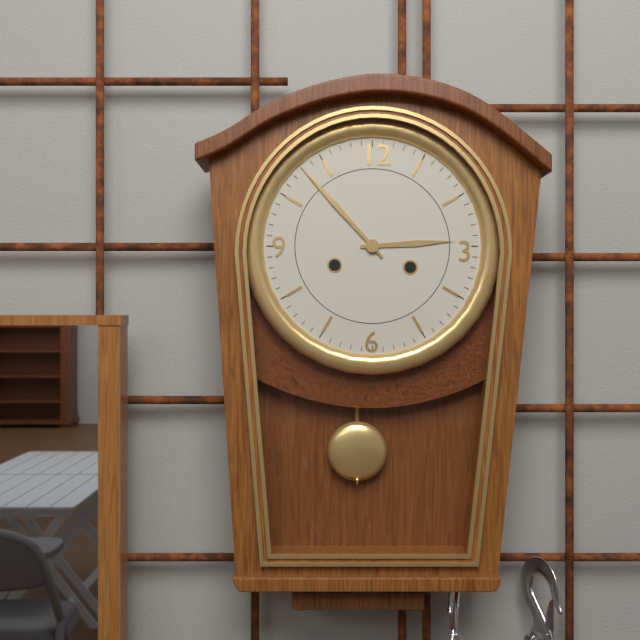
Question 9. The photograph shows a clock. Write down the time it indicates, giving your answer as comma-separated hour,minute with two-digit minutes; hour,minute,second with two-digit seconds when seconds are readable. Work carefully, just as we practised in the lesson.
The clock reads 2,53
